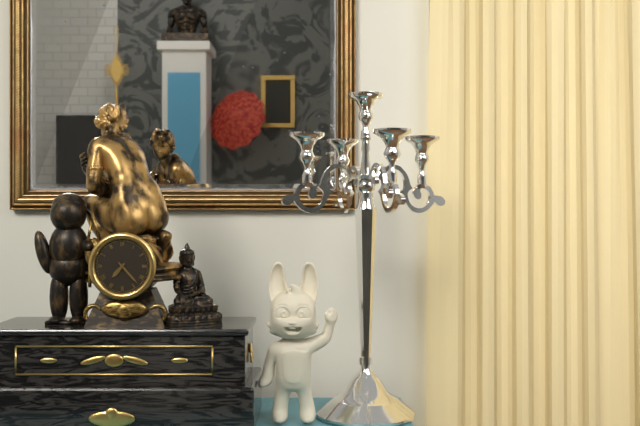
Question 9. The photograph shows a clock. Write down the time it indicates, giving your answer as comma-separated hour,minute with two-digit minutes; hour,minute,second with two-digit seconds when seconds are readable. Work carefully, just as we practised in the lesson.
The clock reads 7,23
